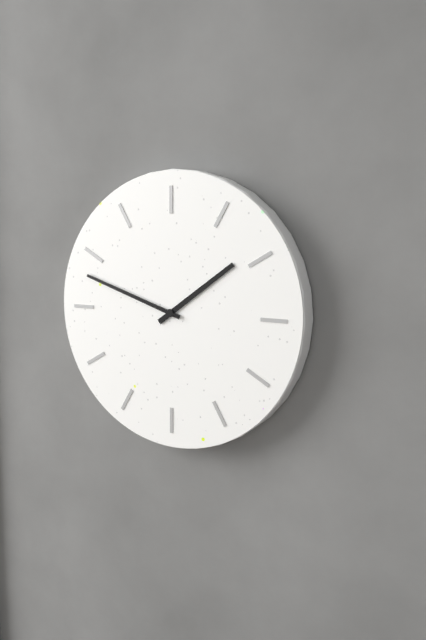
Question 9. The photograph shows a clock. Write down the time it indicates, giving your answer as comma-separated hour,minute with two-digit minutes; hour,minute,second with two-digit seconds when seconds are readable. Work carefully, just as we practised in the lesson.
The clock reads 1,48
